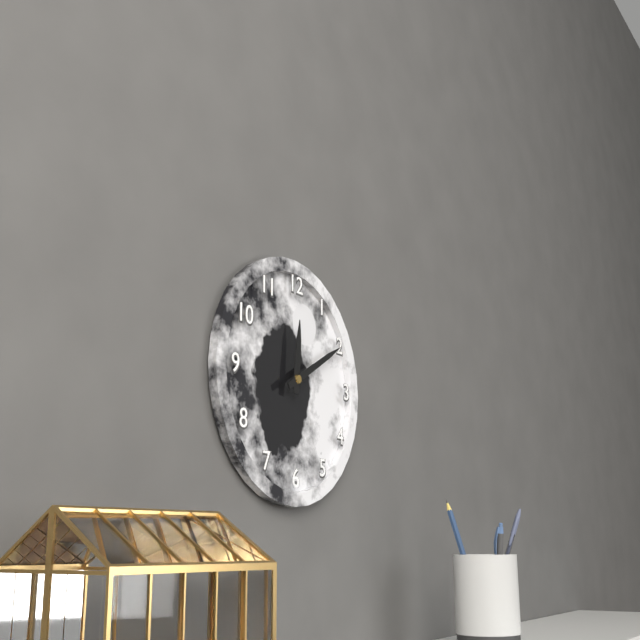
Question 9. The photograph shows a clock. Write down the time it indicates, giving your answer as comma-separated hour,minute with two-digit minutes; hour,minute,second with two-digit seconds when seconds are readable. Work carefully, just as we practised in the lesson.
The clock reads 12,10
